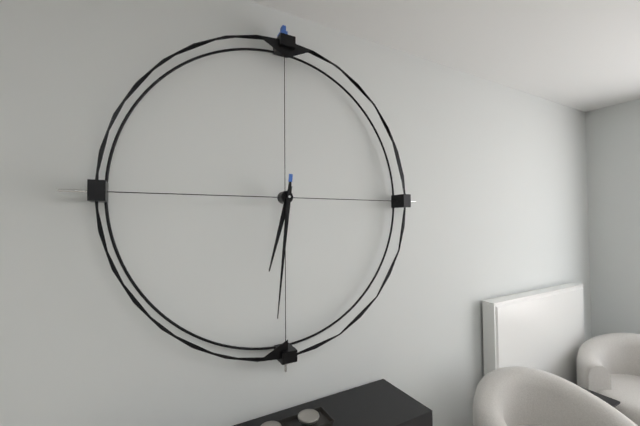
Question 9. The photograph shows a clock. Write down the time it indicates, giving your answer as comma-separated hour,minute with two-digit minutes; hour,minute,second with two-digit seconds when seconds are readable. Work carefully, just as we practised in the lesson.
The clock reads 6,31
